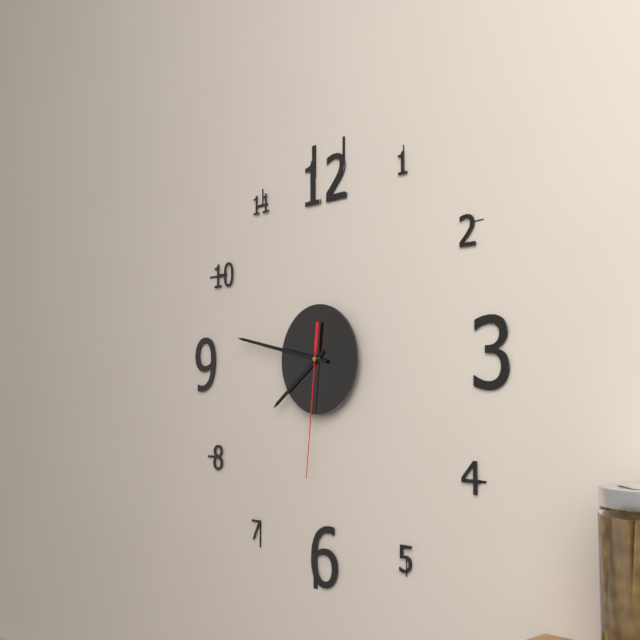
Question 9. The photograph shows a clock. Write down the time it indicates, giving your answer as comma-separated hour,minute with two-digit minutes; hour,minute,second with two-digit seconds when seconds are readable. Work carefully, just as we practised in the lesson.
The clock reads 7,47,31
